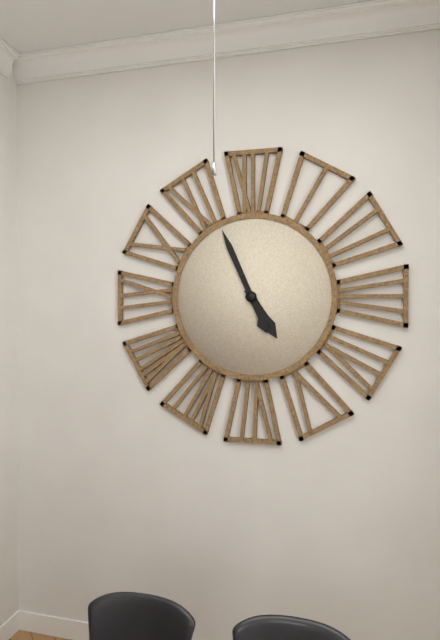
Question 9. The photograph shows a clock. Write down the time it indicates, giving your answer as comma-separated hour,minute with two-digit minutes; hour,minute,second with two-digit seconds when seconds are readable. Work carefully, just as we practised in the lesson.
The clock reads 4,56
